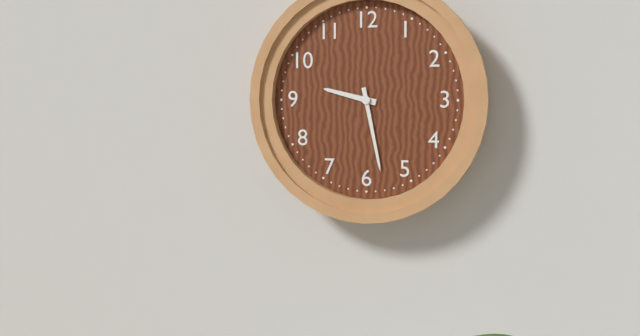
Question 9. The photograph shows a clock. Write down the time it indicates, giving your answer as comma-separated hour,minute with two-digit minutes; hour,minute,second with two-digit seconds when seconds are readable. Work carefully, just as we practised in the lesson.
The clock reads 9,28
